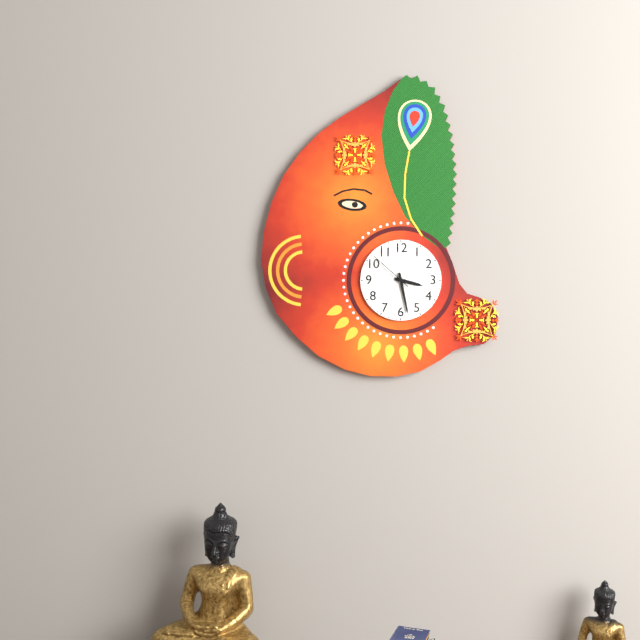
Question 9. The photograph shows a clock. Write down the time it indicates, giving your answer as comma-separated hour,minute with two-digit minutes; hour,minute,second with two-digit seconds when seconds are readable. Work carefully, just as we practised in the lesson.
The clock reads 3,28
